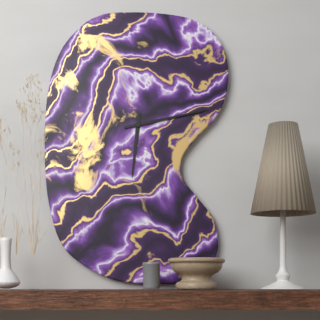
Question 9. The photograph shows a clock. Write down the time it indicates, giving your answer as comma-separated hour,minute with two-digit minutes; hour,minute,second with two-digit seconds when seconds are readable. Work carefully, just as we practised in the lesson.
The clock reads 6,13
